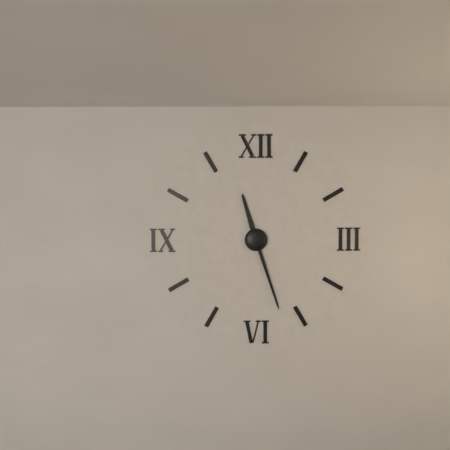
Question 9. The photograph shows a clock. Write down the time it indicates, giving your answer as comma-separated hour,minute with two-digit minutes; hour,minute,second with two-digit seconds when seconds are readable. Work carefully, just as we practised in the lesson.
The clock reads 11,27
